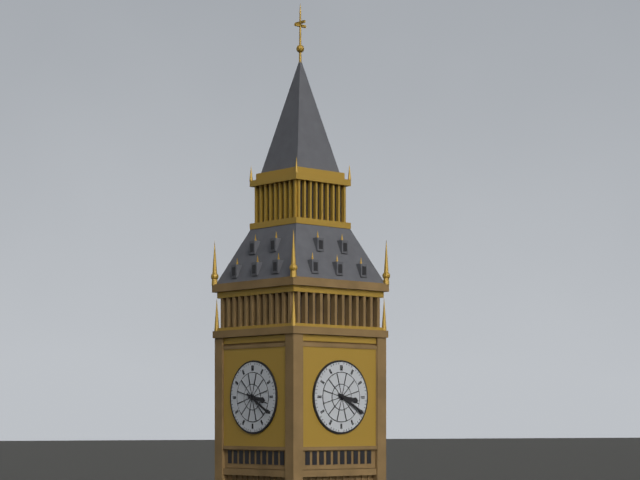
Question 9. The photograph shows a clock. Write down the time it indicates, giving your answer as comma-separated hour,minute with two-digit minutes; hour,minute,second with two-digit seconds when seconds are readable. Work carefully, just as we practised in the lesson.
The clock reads 3,20
